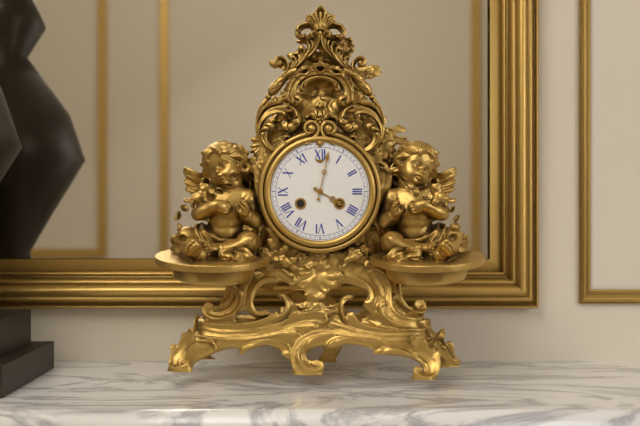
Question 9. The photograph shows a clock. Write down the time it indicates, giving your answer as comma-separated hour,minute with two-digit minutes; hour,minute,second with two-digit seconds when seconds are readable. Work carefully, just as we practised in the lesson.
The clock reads 4,02
